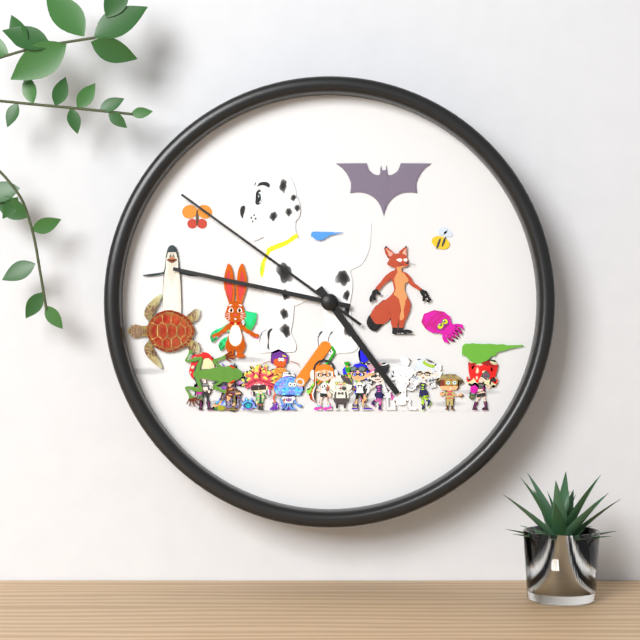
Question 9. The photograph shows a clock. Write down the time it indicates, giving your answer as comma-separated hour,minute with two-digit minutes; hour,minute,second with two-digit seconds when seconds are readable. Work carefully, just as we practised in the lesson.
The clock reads 4,47,51
